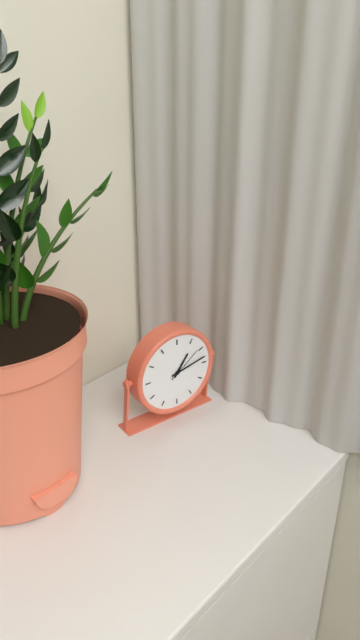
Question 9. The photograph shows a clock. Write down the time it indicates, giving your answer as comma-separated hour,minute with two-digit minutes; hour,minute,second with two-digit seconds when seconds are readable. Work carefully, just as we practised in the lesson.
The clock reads 1,13
